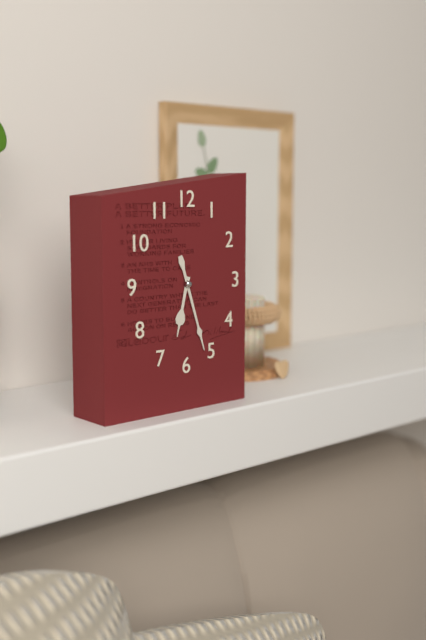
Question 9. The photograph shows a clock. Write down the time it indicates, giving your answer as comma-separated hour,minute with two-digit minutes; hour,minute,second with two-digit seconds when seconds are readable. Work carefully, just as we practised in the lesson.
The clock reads 6,27
